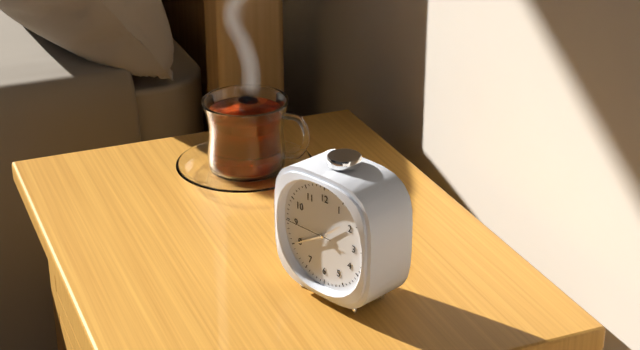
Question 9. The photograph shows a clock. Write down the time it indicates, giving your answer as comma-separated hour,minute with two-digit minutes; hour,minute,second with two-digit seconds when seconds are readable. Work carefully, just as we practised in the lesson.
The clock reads 1,40,45
